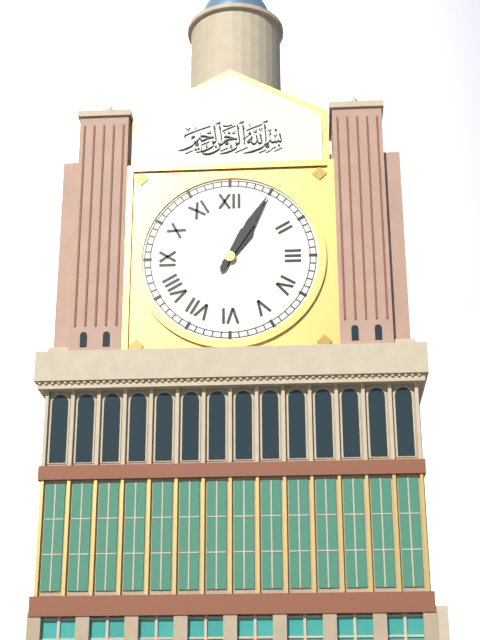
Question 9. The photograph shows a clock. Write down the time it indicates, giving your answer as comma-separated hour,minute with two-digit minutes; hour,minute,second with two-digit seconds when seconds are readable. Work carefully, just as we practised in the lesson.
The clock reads 1,05
